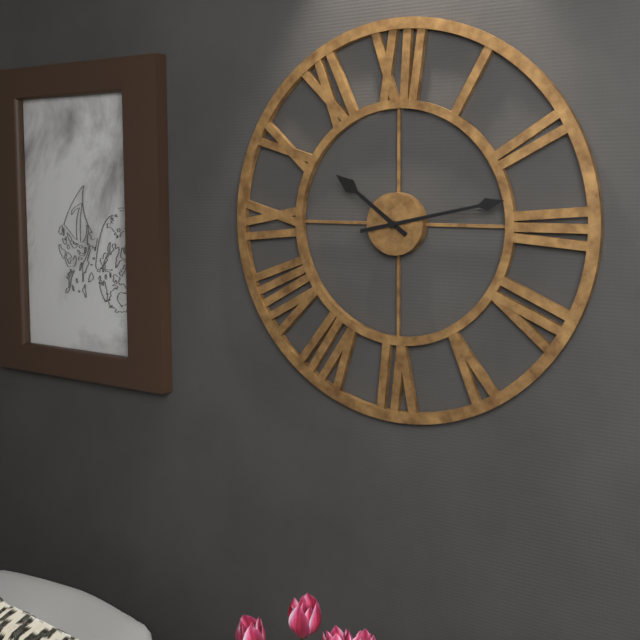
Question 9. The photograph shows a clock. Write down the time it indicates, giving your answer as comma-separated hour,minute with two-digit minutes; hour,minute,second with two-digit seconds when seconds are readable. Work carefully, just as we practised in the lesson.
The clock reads 10,13
